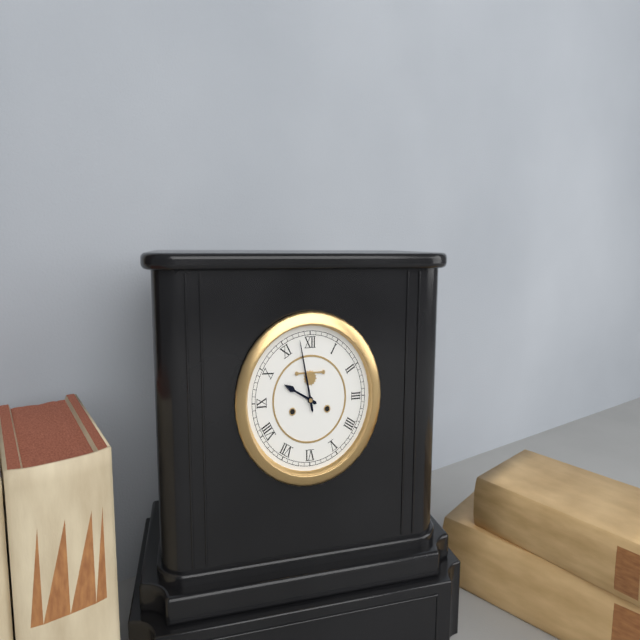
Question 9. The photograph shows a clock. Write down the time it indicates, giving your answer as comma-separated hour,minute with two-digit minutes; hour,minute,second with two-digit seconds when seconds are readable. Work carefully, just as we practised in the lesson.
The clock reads 9,58
